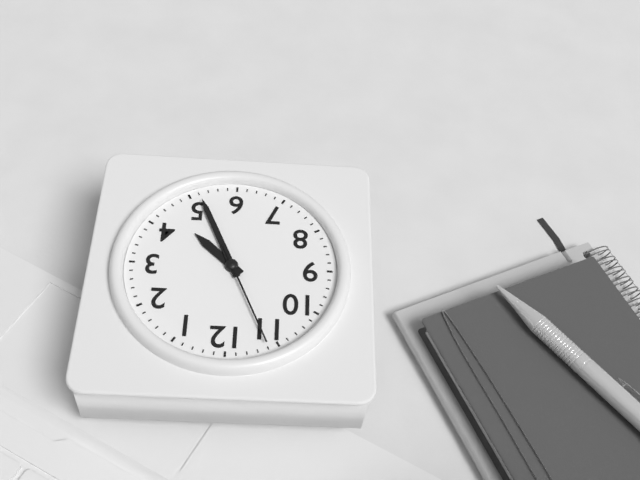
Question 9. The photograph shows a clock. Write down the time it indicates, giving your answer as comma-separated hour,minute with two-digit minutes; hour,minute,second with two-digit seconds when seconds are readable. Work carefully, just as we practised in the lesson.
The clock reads 4,26,56
